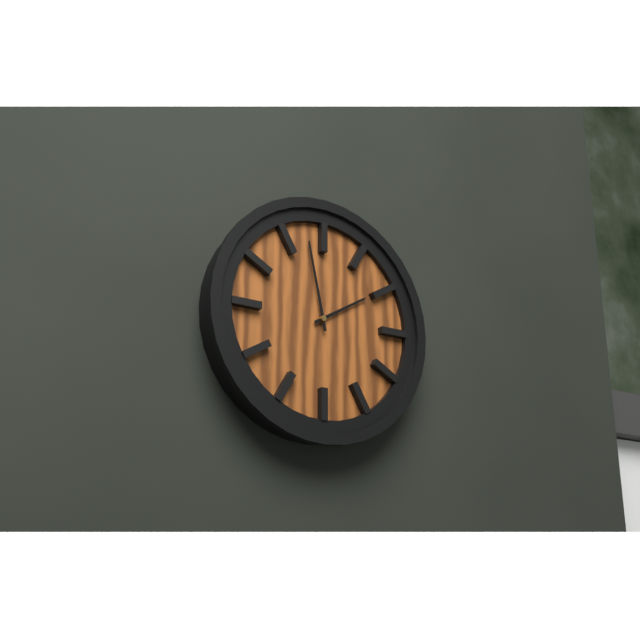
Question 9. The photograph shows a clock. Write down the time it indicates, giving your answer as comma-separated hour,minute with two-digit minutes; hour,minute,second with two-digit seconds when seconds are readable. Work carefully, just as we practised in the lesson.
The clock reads 1,58
